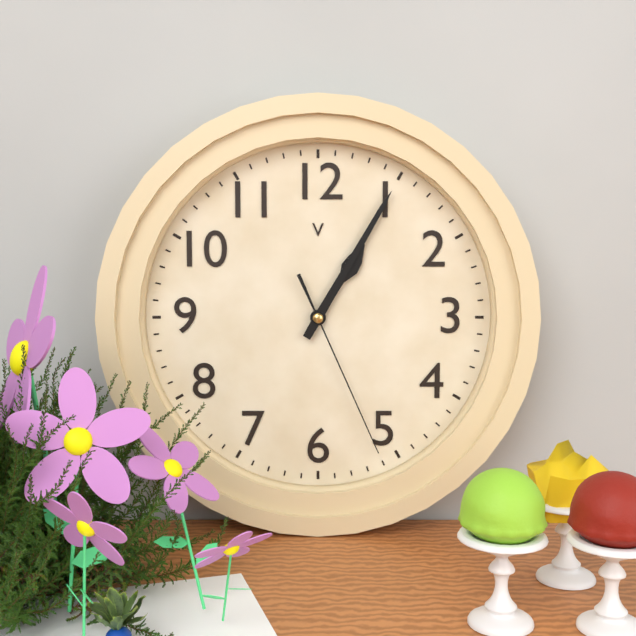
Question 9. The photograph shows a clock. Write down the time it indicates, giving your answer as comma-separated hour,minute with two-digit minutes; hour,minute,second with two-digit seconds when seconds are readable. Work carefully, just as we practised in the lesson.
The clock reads 1,05,26
